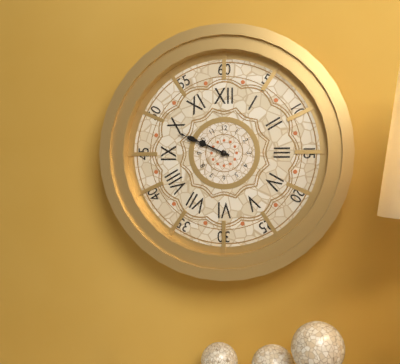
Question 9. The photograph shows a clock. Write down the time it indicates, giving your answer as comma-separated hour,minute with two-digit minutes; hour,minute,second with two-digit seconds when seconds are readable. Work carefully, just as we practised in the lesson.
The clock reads 9,49
